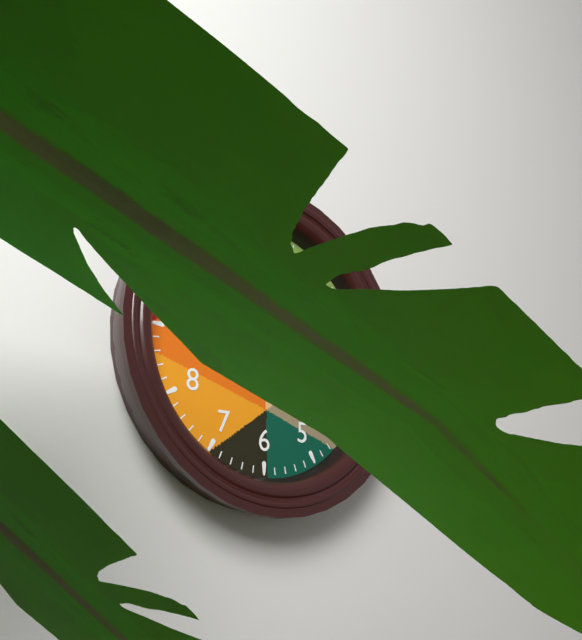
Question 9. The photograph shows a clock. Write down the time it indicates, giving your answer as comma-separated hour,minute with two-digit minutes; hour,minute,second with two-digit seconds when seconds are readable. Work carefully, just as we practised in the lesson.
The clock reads 3,21,59
